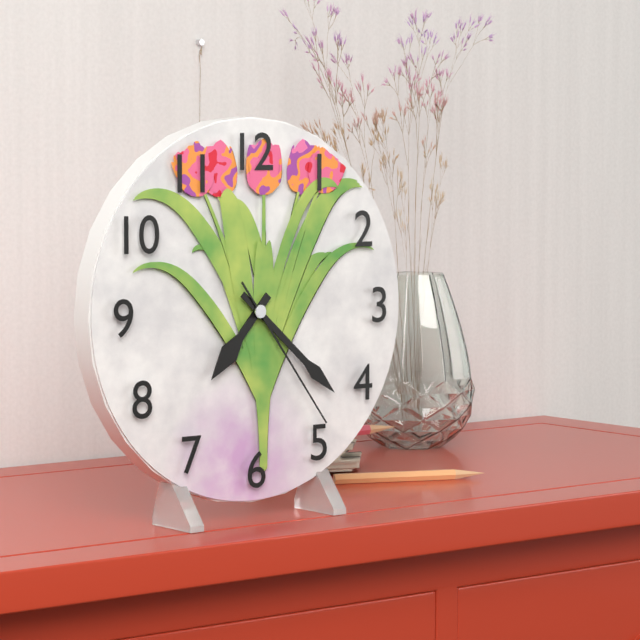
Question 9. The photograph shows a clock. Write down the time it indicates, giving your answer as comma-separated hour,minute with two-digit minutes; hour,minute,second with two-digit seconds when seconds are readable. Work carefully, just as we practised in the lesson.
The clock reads 7,22,24
